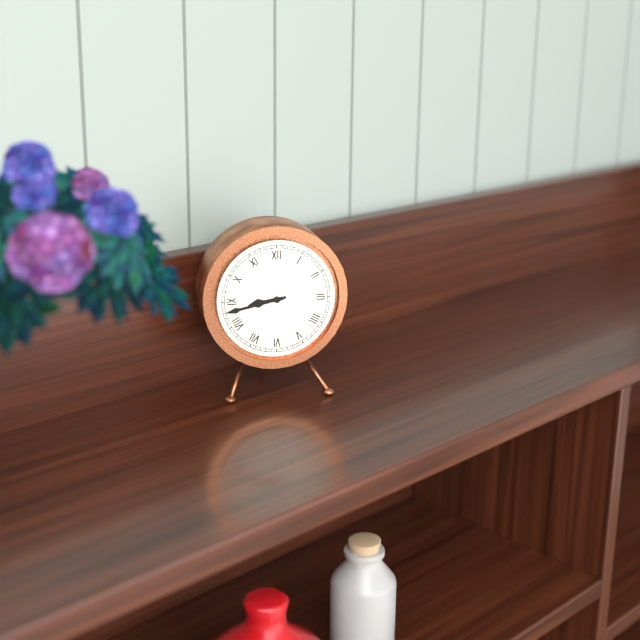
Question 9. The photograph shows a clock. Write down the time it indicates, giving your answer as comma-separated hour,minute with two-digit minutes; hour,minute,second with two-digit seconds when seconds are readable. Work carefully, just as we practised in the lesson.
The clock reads 8,43
